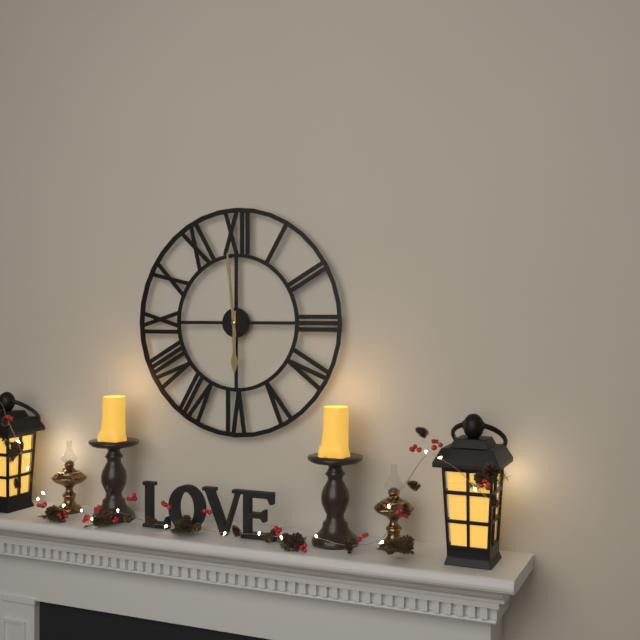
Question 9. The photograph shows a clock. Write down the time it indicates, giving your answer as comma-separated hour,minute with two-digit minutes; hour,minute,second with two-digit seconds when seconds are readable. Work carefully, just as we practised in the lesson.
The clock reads 5,59
